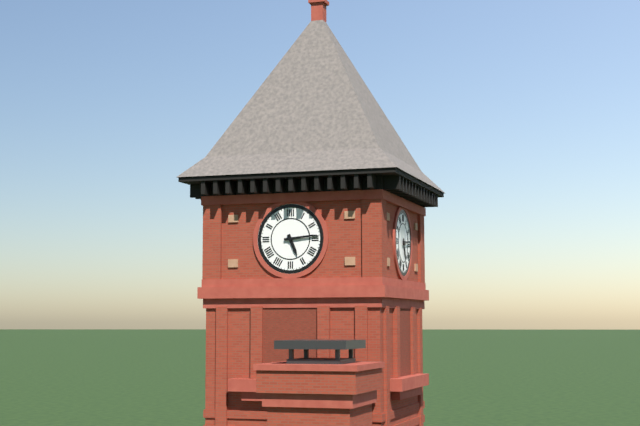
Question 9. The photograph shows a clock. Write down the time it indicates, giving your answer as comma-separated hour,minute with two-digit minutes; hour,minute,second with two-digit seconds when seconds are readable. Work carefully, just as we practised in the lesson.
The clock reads 5,14
